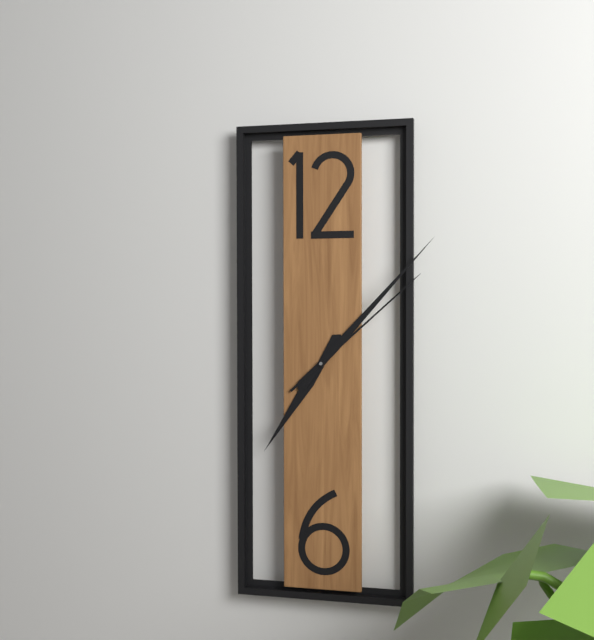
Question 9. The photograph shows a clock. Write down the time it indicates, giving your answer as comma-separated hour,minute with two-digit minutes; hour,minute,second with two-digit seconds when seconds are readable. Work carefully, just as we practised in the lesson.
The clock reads 7,07,08
